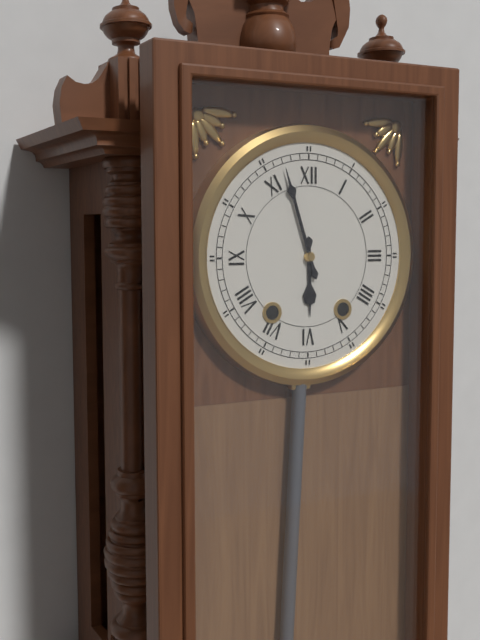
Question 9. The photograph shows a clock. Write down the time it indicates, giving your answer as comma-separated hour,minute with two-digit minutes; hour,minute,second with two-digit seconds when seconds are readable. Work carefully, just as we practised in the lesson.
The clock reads 5,57
